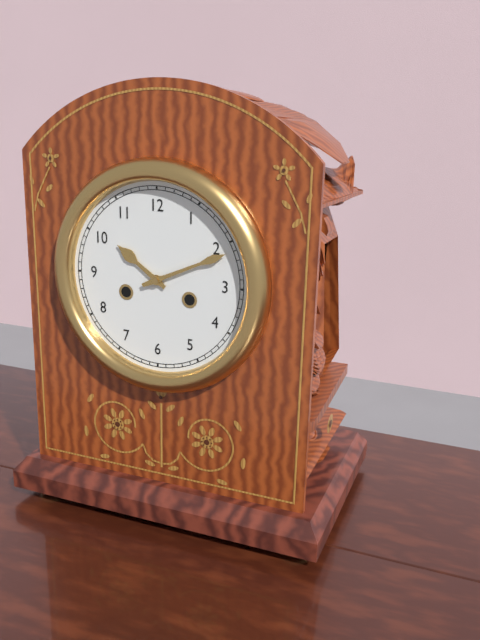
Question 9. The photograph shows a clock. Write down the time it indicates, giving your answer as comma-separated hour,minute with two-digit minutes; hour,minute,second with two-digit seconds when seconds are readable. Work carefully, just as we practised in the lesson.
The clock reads 10,11
